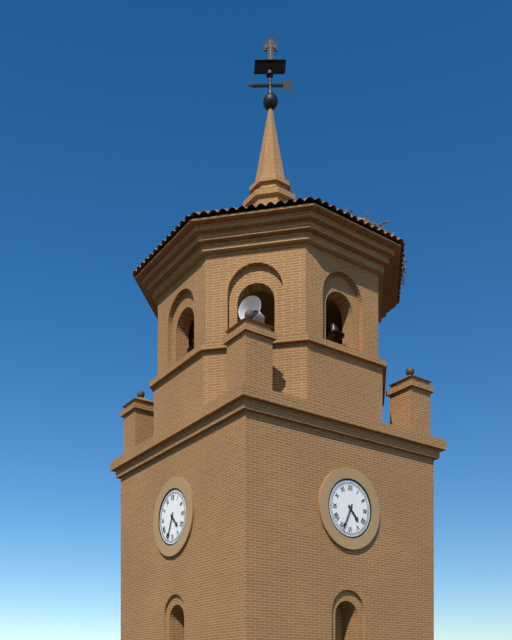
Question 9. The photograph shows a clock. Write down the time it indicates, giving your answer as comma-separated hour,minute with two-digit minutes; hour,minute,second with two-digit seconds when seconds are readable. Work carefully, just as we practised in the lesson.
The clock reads 4,34
